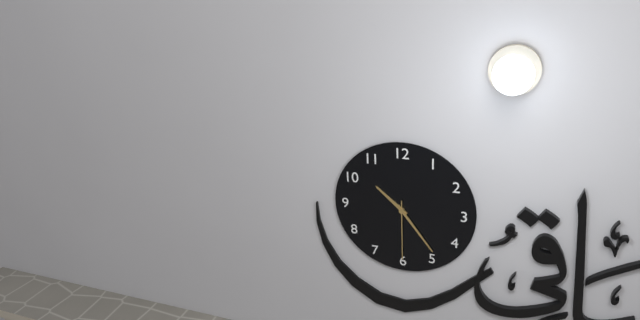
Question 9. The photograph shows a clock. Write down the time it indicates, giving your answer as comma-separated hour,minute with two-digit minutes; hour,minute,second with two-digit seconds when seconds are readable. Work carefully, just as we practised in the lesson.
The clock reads 10,24,30
